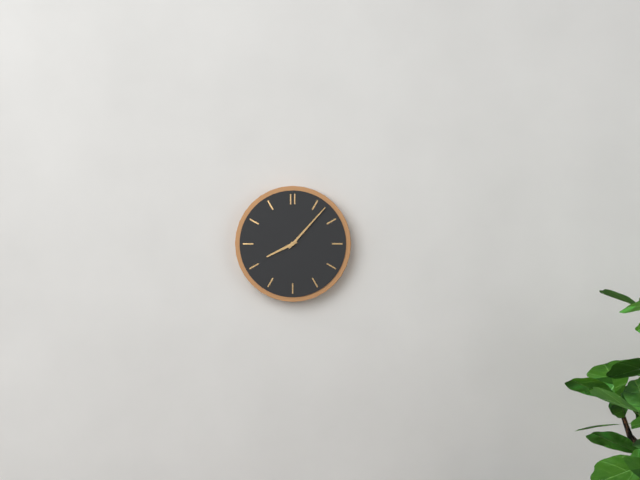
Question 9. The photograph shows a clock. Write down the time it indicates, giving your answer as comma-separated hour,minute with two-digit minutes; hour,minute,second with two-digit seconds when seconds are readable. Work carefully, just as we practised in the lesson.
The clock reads 8,07
